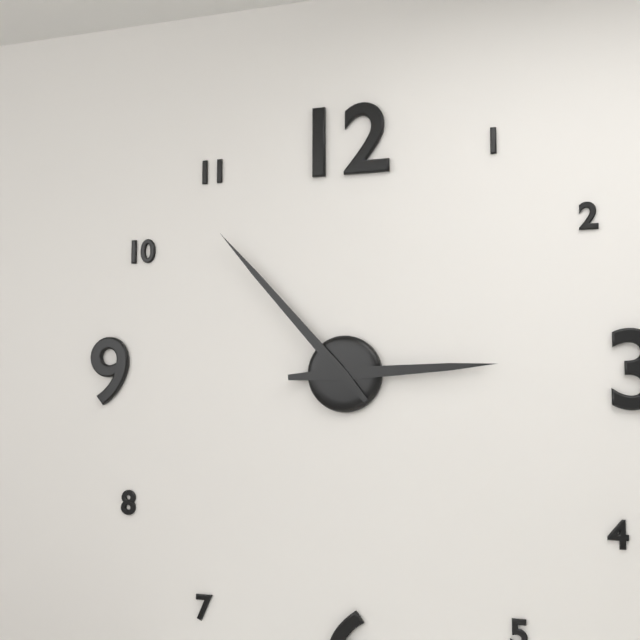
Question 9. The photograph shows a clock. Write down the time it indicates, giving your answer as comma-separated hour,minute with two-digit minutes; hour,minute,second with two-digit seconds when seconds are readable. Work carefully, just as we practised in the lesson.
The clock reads 2,53
